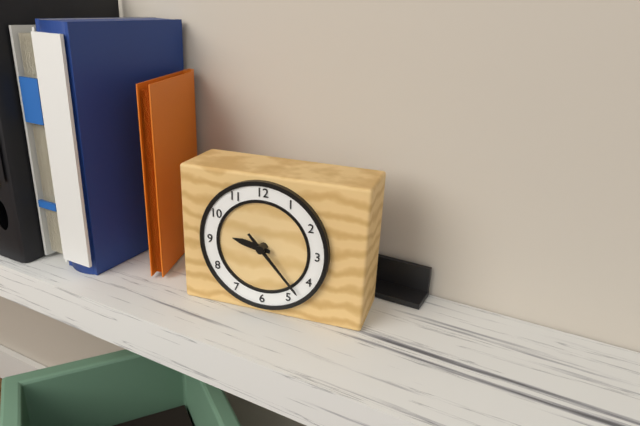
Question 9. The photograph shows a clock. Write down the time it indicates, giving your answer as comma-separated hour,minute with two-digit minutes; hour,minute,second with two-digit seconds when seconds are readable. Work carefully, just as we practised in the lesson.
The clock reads 9,23
